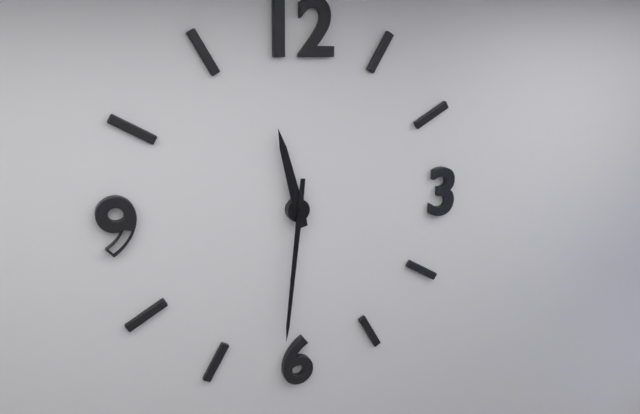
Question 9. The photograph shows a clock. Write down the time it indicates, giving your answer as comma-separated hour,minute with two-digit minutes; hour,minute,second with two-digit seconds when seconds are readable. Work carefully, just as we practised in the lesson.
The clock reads 11,31
